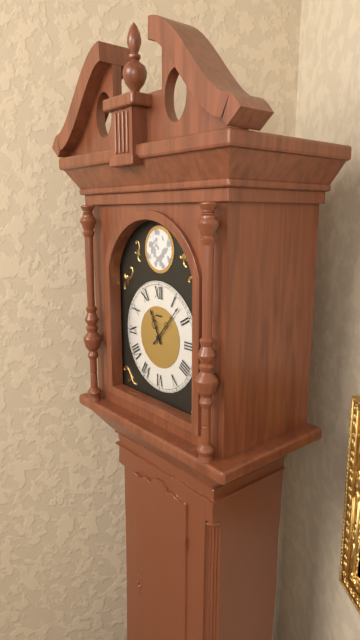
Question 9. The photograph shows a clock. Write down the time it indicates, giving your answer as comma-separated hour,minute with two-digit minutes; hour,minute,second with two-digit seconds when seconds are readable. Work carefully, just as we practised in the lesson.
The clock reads 11,07
